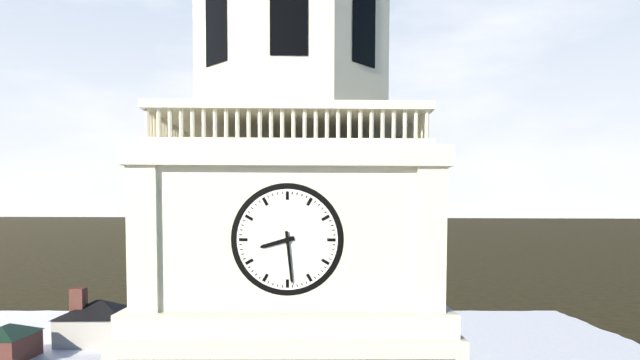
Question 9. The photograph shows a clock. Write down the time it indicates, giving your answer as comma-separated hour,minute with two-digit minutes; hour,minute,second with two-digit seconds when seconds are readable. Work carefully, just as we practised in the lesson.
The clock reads 8,29
